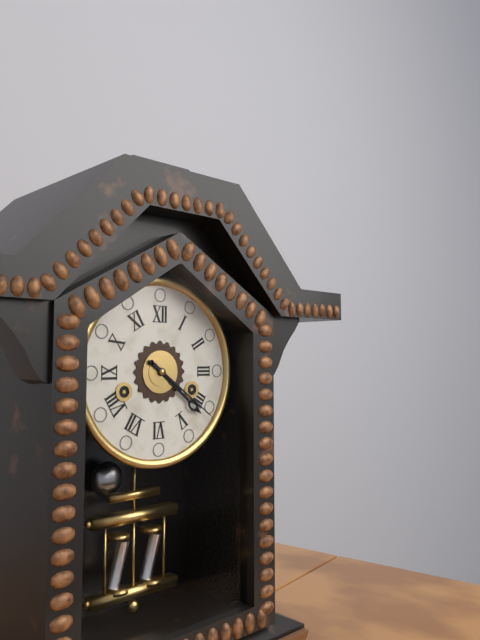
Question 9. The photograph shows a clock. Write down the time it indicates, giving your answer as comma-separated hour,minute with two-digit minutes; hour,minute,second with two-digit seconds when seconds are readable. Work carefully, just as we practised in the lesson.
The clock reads 4,21
